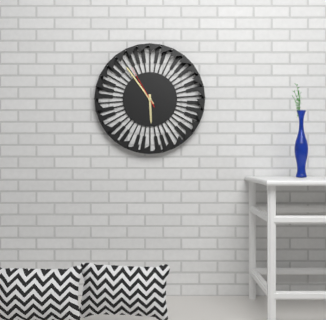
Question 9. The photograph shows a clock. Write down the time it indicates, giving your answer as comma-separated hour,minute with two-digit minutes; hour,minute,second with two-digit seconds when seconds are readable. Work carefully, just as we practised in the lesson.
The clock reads 5,54
